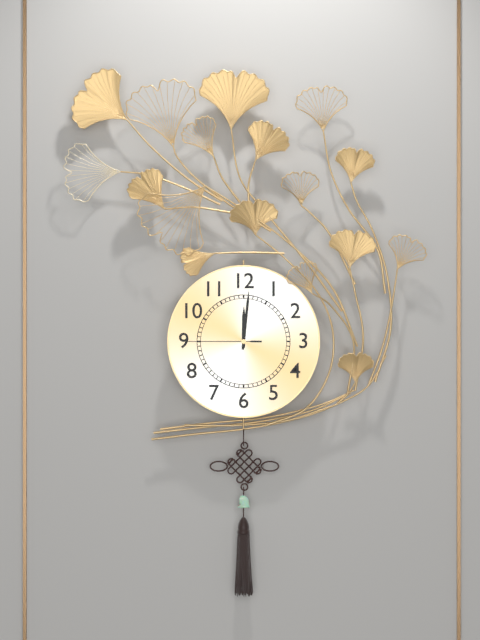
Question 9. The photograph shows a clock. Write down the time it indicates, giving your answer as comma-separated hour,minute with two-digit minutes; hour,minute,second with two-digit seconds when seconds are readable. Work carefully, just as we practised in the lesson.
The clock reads 12,01,45
